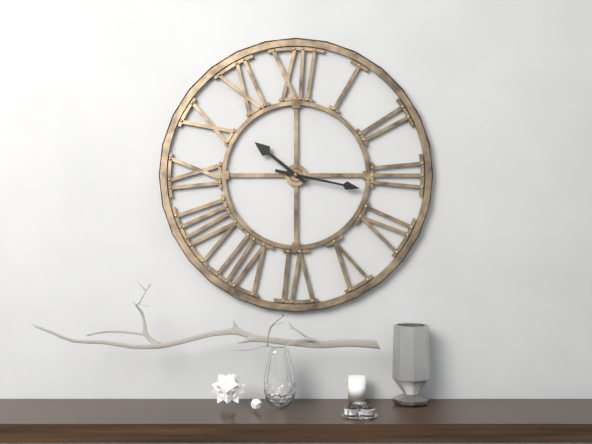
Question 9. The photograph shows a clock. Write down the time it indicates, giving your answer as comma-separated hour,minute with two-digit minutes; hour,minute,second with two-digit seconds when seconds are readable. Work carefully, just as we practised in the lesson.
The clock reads 10,17
